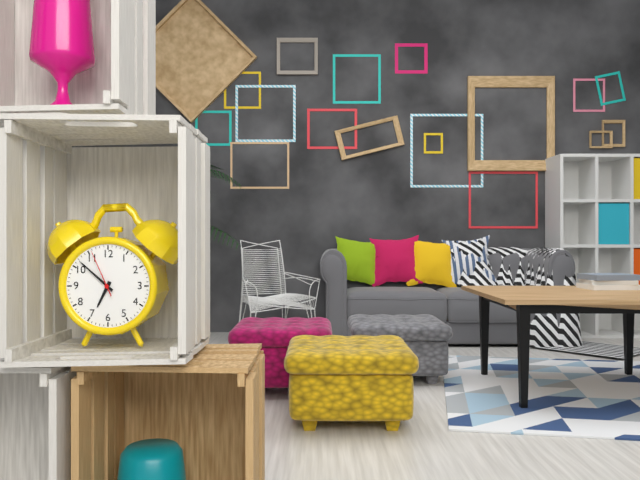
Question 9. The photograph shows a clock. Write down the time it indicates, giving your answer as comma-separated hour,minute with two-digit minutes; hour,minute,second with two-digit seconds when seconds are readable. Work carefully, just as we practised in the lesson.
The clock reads 6,52
